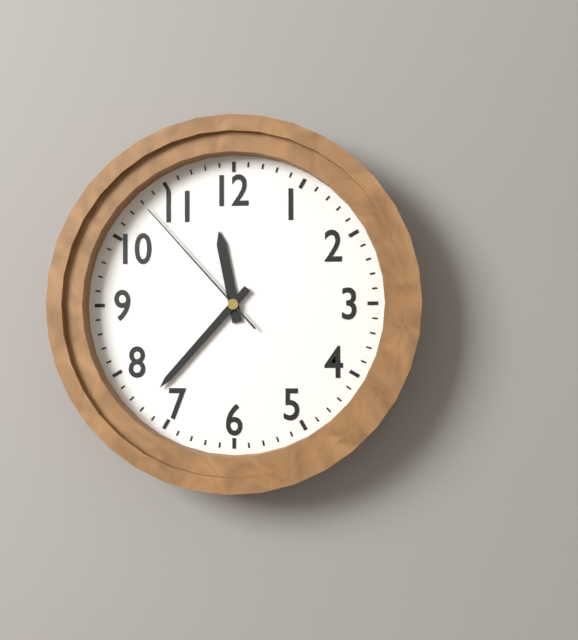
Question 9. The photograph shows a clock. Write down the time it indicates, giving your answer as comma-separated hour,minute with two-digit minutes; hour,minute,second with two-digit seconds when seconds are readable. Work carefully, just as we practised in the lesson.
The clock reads 11,37,53
